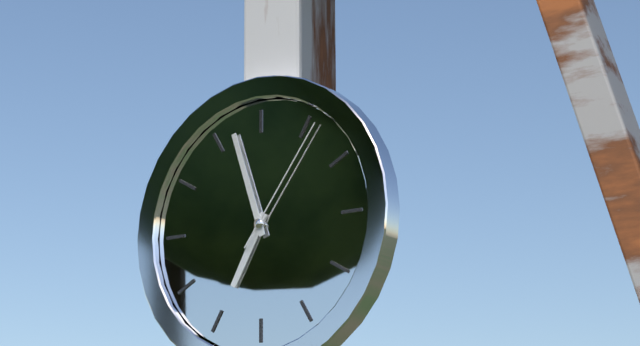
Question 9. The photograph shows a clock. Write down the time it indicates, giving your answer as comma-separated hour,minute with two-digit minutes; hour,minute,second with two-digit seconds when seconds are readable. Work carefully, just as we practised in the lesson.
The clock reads 6,57,06
